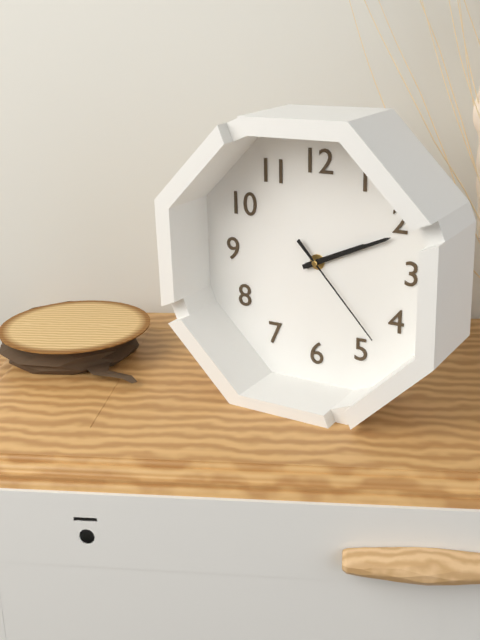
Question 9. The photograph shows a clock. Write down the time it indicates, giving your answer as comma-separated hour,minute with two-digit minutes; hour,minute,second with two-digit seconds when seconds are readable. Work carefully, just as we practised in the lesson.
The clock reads 2,11,23
